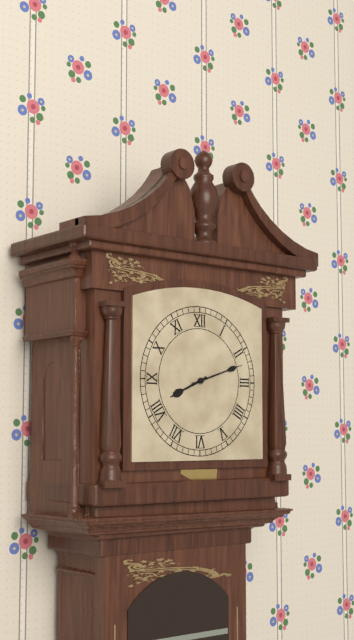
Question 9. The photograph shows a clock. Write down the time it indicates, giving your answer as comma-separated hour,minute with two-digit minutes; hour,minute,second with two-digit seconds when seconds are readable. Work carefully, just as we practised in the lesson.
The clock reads 8,12
